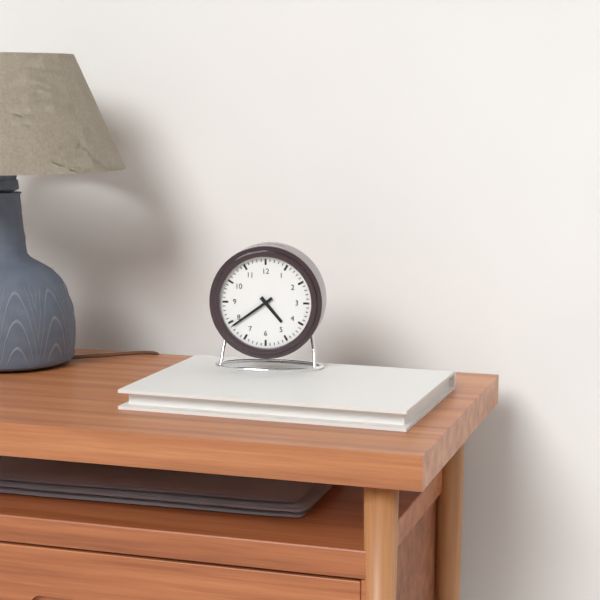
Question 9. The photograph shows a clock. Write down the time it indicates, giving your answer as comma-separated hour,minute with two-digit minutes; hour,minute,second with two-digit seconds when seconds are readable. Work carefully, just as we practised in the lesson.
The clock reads 4,39
